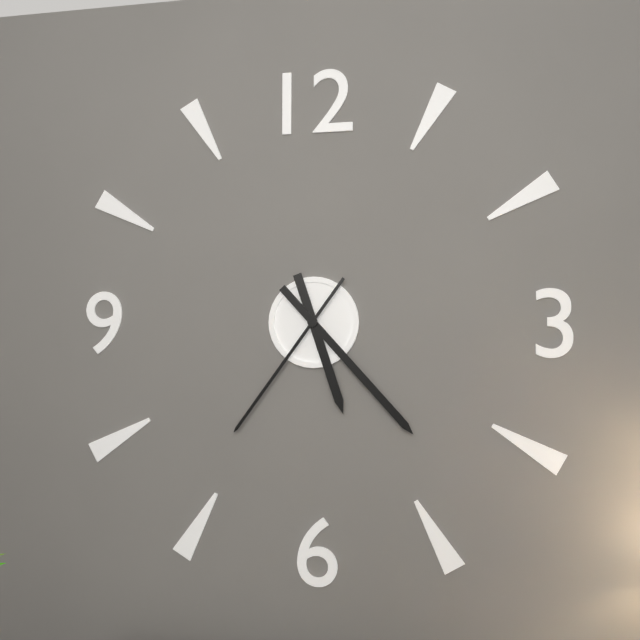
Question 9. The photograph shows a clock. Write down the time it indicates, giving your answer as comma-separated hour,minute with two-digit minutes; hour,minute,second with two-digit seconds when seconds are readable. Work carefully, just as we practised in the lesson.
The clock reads 5,23,36
